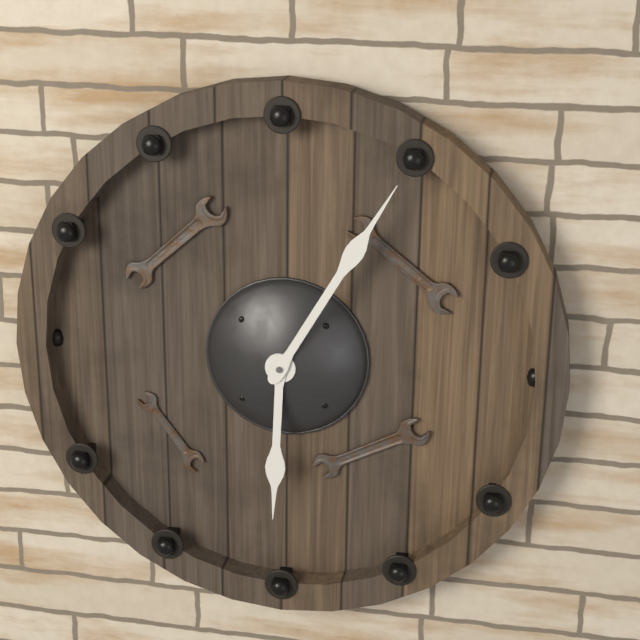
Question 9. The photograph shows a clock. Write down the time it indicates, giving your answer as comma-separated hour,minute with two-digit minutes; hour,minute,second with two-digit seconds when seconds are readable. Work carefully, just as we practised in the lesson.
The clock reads 6,05
